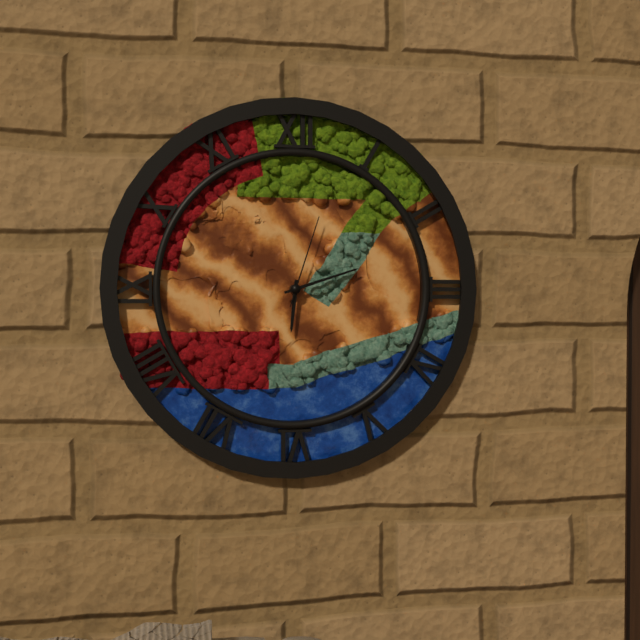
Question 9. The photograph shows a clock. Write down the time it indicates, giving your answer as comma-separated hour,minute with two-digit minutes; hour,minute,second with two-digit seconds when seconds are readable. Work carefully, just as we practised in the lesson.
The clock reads 6,12,03
